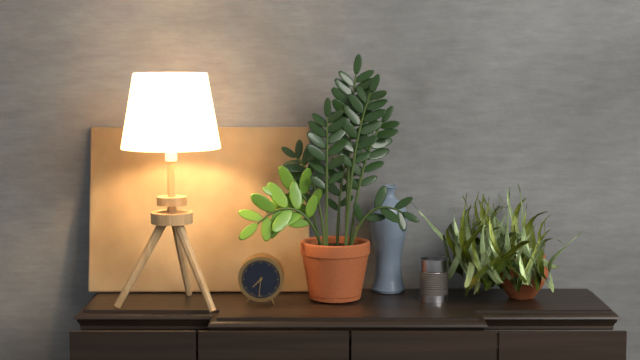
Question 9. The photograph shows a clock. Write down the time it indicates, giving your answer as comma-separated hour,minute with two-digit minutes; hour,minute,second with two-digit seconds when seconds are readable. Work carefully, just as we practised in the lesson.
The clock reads 7,31
